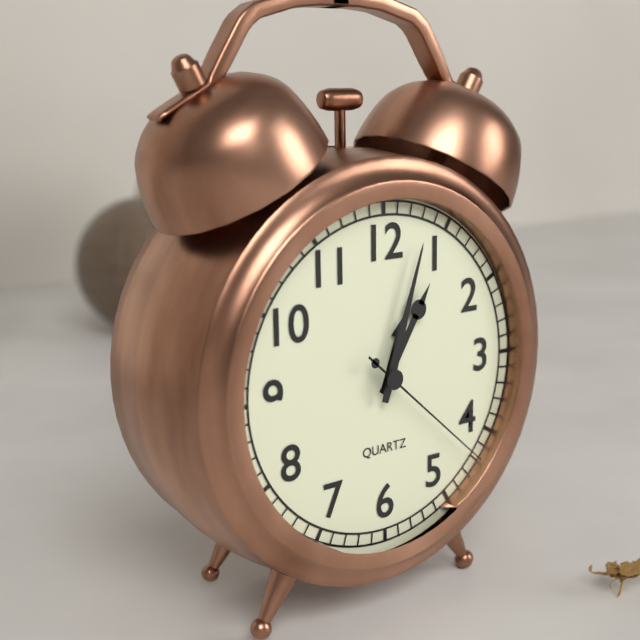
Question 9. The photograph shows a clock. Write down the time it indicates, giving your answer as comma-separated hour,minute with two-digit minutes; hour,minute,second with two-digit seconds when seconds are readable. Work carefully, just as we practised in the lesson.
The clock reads 1,03,22
